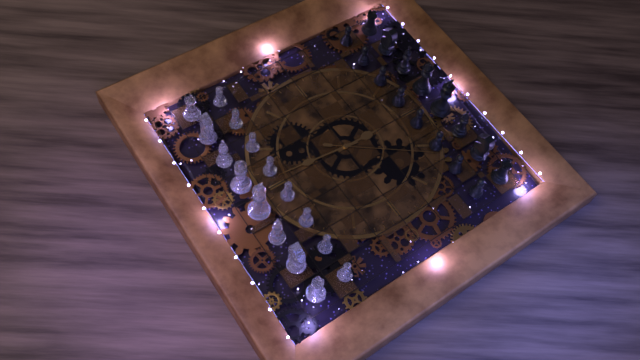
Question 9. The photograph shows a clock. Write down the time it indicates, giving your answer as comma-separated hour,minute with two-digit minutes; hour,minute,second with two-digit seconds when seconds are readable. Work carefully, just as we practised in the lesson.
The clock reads 6,01,36
